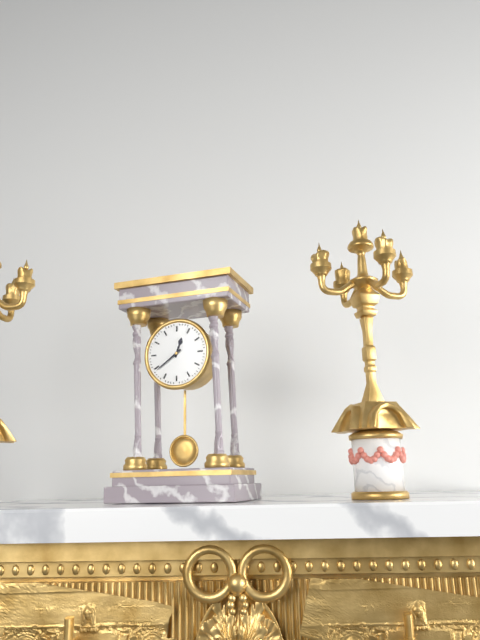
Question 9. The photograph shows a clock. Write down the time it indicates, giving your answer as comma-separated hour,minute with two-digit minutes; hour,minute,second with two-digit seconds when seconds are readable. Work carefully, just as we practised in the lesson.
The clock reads 12,39
